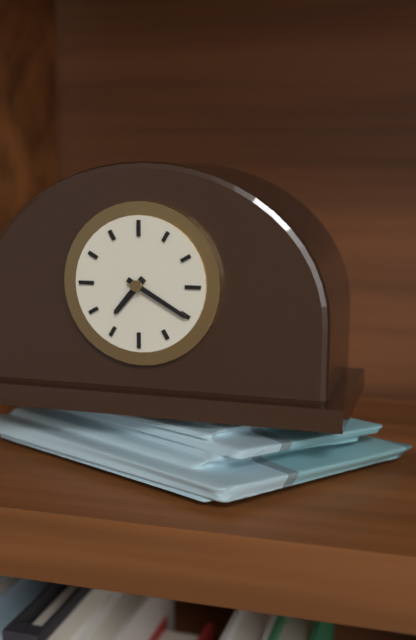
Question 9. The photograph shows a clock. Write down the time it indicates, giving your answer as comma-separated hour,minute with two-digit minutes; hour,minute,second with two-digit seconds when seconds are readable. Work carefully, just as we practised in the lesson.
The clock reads 7,20
